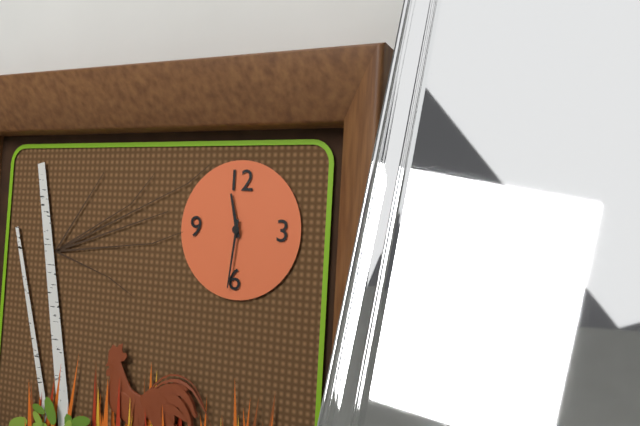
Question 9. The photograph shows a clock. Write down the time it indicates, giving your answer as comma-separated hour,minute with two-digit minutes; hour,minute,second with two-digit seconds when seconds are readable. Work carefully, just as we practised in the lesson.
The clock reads 11,31
